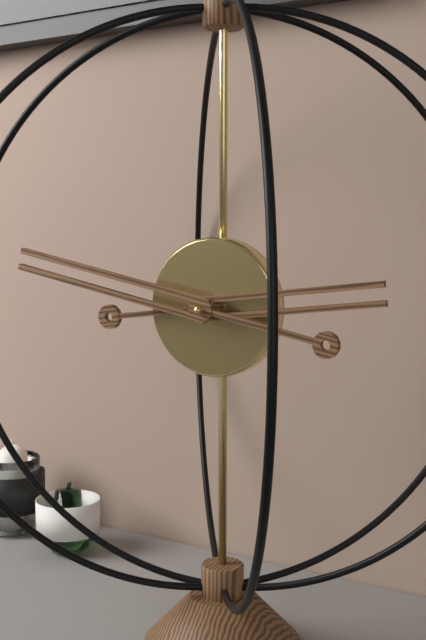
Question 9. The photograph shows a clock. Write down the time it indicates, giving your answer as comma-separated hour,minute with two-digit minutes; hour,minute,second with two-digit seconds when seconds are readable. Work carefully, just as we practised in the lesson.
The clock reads 2,47
